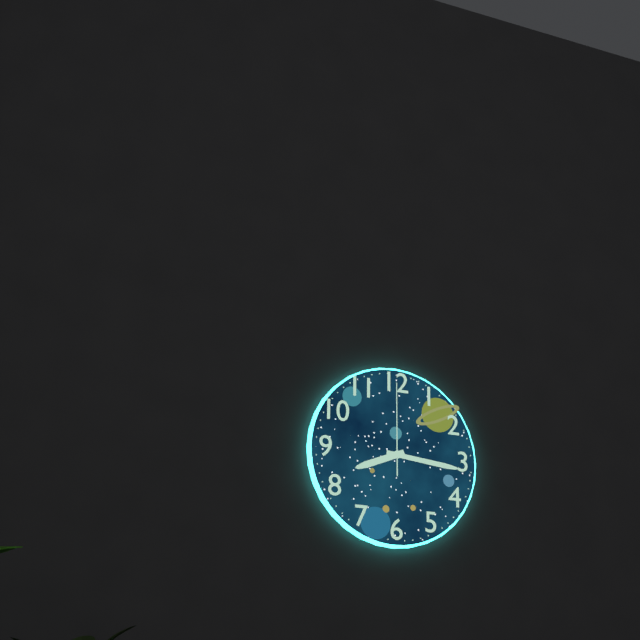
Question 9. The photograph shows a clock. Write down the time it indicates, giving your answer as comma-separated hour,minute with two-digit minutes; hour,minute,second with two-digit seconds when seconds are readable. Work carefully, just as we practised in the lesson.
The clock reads 8,16,00
